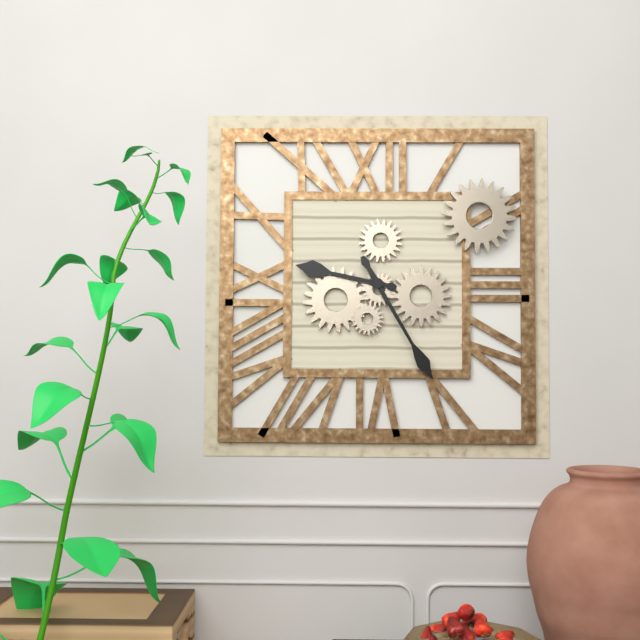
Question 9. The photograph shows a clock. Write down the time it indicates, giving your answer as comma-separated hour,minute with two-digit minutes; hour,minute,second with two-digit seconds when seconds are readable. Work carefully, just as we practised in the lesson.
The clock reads 9,25
